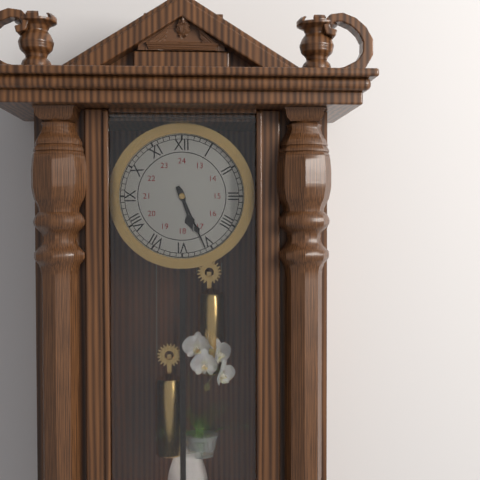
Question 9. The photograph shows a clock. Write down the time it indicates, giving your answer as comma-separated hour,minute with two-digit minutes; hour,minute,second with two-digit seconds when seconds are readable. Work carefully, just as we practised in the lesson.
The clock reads 5,26
